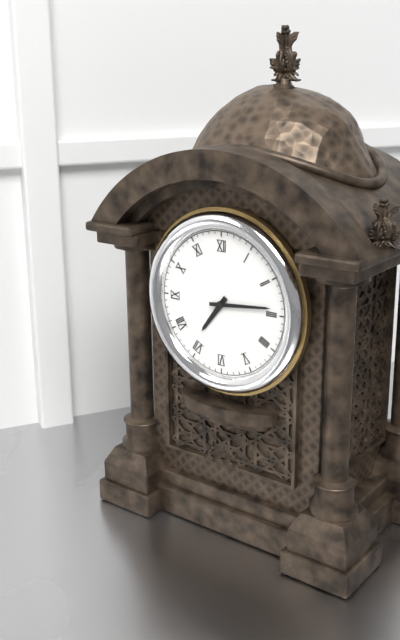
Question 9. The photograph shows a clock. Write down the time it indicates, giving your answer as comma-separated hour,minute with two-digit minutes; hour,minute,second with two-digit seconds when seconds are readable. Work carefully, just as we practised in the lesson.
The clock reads 7,14
